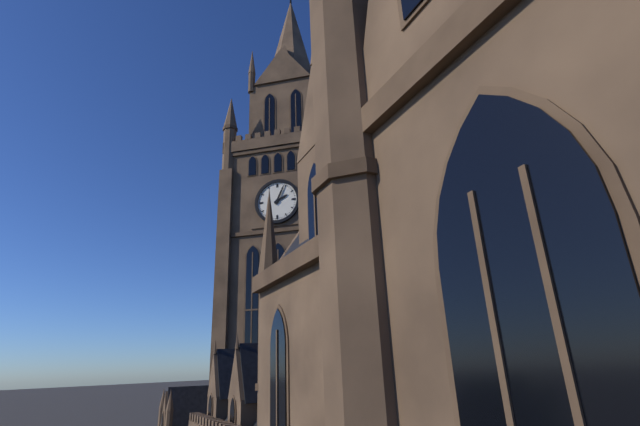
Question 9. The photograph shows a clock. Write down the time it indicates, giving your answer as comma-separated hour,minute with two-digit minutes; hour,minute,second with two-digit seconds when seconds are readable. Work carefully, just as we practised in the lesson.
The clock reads 2,04
